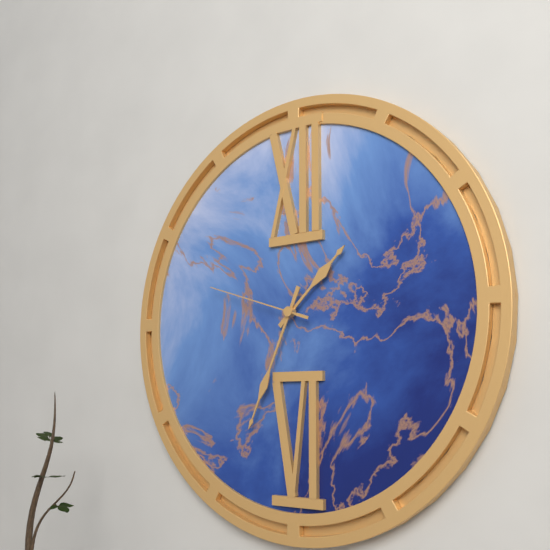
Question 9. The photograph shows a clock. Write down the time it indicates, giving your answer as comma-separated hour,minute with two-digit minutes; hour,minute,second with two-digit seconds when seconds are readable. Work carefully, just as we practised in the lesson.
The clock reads 1,34,48
